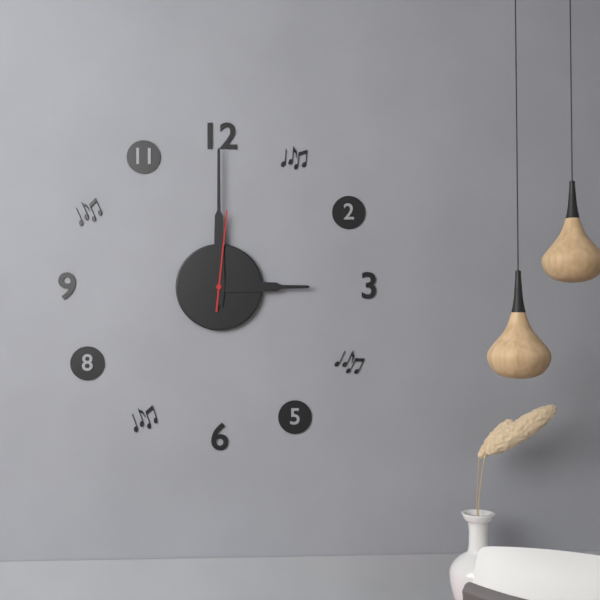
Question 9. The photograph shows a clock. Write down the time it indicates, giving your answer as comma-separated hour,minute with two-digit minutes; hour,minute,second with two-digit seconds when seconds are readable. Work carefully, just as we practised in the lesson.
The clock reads 3,00,01
